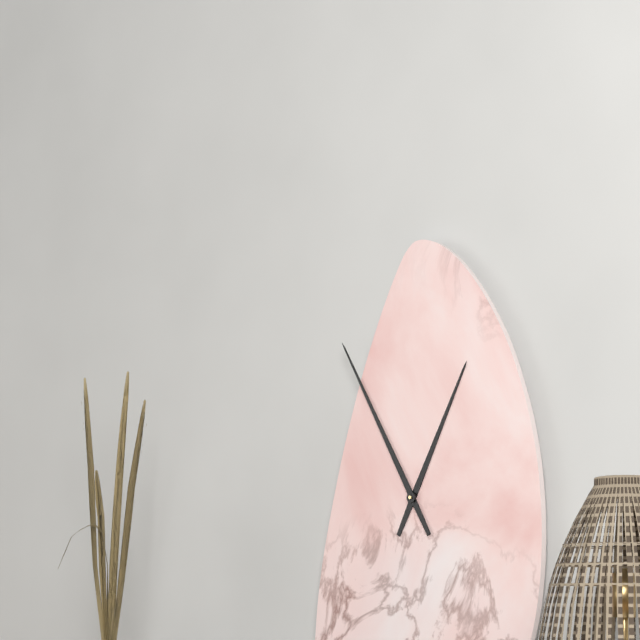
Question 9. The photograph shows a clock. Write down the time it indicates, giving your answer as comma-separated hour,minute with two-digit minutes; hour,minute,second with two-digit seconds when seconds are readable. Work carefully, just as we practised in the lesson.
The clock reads 12,55
